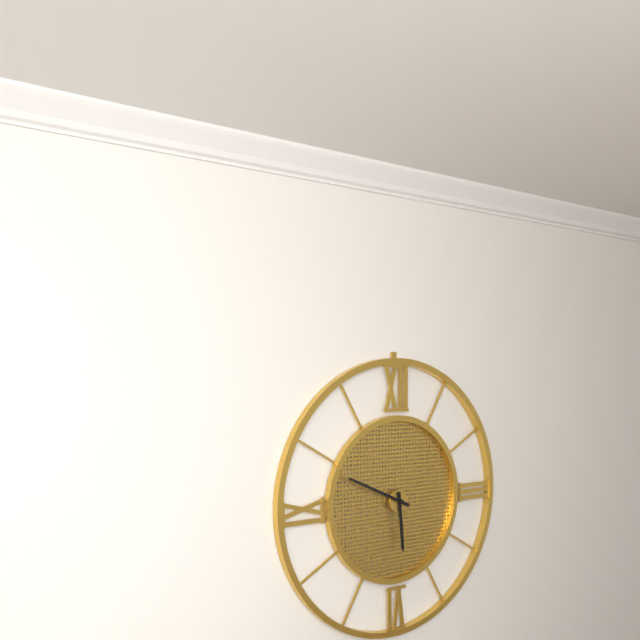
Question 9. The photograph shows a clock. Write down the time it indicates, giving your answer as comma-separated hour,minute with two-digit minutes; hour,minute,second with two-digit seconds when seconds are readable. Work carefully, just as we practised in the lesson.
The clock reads 5,49
